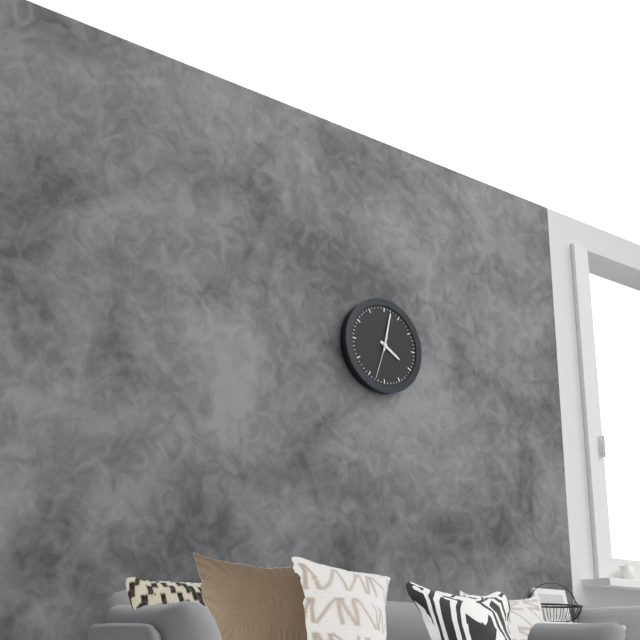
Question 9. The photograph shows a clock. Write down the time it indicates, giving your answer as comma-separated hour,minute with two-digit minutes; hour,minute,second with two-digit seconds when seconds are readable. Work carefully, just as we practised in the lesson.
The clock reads 4,02
